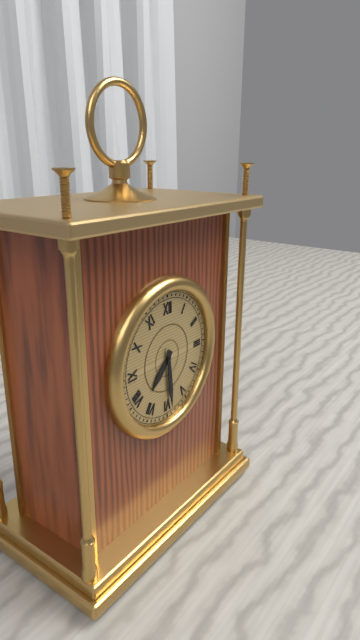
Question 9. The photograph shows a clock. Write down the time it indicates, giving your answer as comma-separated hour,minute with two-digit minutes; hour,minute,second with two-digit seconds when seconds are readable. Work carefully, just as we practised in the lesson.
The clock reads 7,29
